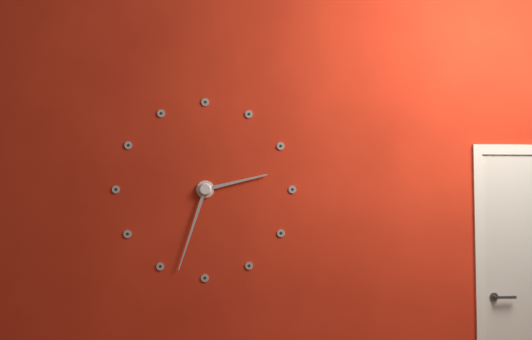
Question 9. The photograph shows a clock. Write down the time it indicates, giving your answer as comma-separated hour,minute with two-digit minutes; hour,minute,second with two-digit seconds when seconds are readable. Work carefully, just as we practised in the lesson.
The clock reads 2,33
